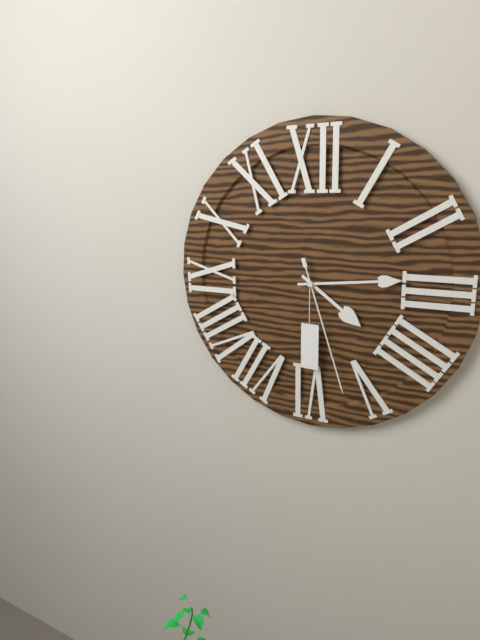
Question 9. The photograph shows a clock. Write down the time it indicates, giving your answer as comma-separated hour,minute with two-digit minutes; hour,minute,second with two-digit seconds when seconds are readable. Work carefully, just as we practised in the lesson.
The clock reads 4,14,27
